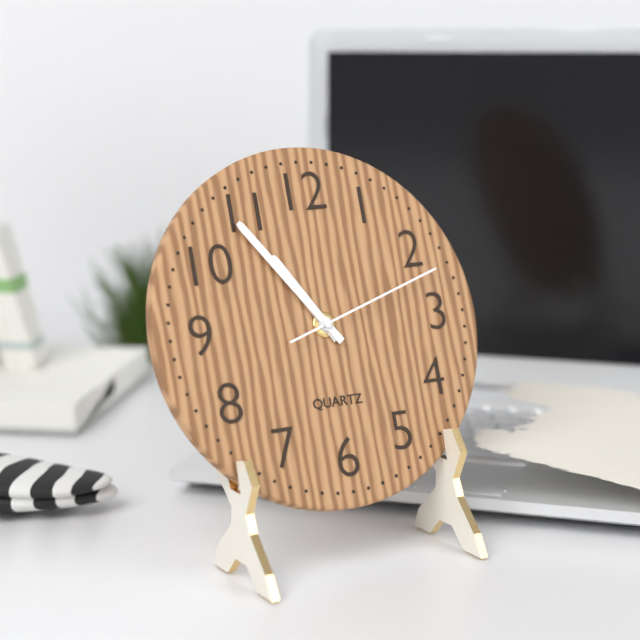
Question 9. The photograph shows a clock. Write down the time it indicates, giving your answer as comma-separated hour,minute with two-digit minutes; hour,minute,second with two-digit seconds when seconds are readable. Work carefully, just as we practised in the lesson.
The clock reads 10,54,12
